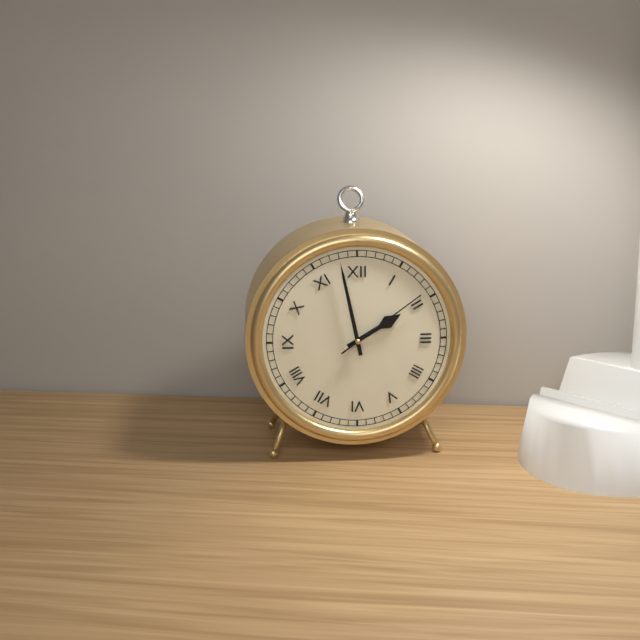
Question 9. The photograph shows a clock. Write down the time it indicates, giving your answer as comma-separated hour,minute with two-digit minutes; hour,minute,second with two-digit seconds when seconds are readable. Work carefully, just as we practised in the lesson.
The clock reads 1,58,09
